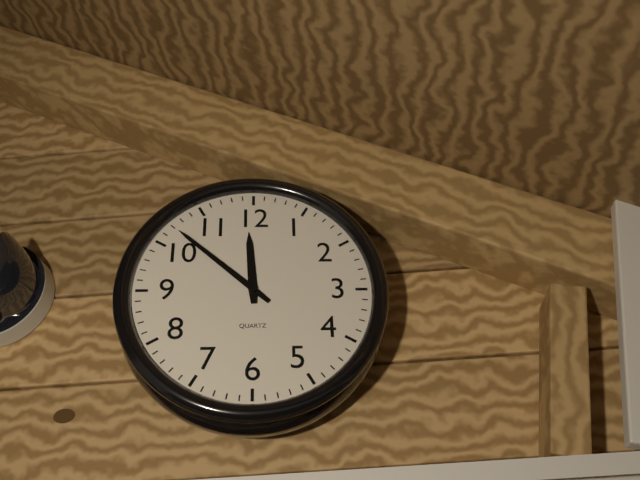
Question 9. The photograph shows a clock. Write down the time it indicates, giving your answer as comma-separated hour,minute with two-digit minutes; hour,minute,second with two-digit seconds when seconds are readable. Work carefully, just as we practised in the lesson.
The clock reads 11,52
